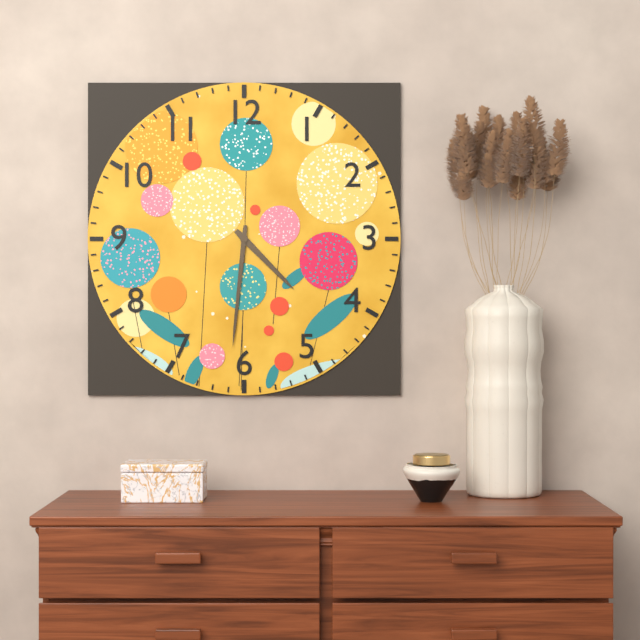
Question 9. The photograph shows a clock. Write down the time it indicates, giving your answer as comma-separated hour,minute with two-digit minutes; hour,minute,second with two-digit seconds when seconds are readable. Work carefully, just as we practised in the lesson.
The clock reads 4,31
